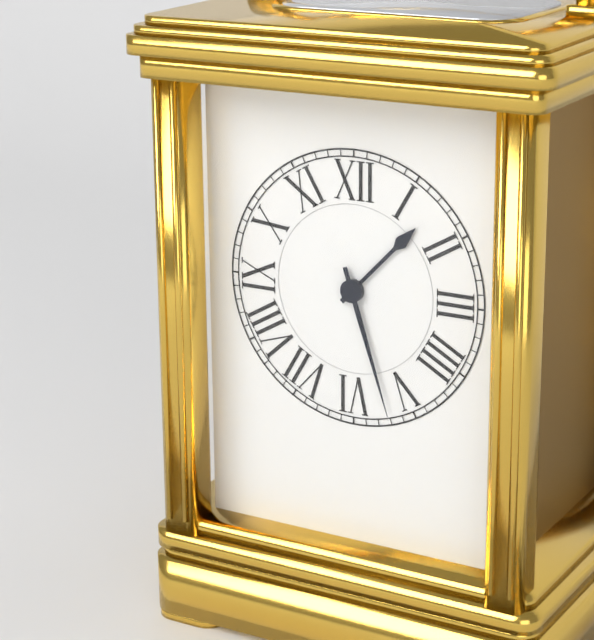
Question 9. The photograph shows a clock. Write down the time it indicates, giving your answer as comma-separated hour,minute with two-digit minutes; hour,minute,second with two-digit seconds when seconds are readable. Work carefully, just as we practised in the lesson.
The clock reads 1,27
